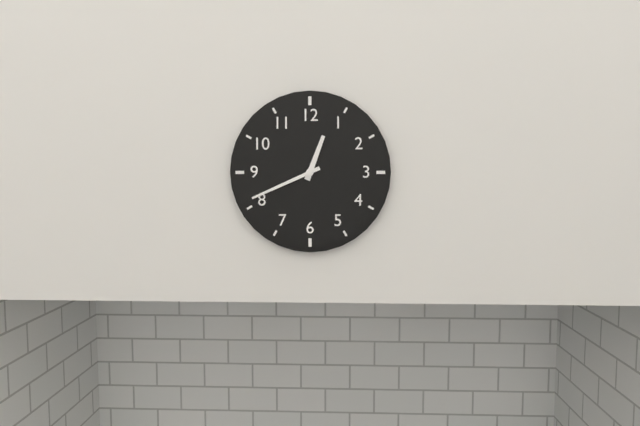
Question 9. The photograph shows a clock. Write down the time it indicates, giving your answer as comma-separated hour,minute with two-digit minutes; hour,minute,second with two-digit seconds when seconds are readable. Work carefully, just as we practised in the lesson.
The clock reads 12,41
